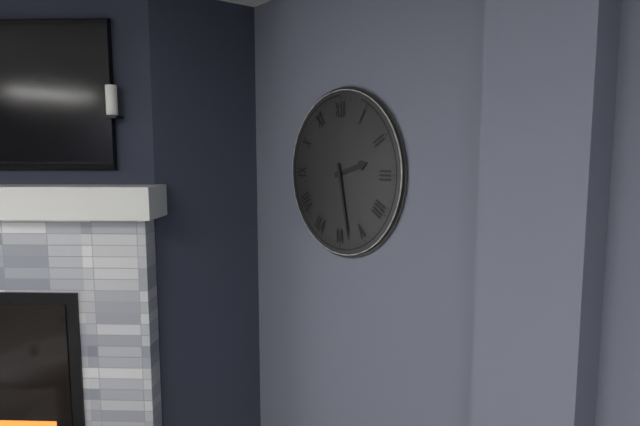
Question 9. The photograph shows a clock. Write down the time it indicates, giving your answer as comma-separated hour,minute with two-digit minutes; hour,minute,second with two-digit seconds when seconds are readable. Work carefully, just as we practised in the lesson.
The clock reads 2,28
